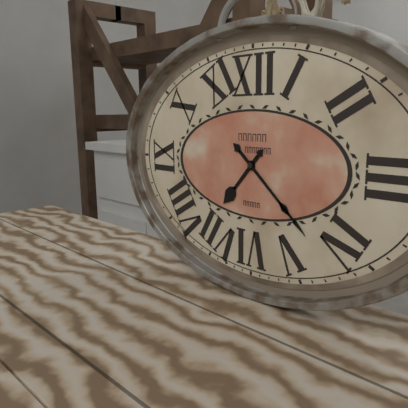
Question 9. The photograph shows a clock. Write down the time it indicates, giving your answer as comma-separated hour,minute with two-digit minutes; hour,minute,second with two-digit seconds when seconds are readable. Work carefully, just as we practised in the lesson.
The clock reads 7,22
